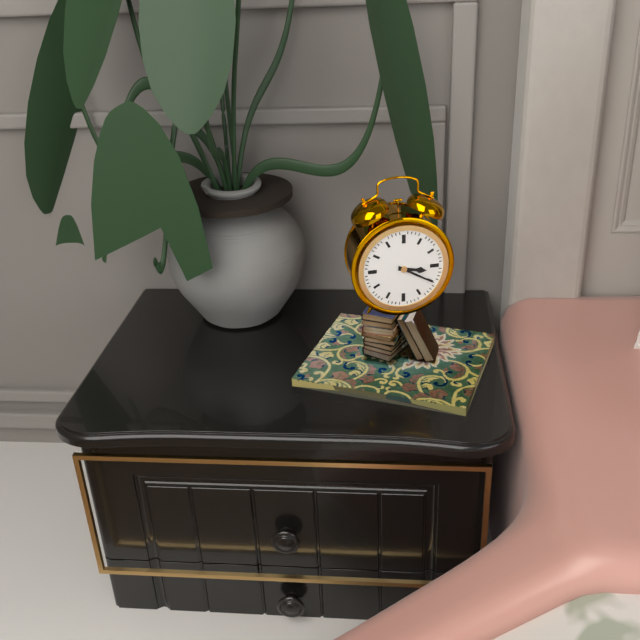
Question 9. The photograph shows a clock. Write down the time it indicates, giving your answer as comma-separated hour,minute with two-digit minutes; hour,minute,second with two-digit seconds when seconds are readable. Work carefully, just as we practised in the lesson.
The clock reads 3,20
